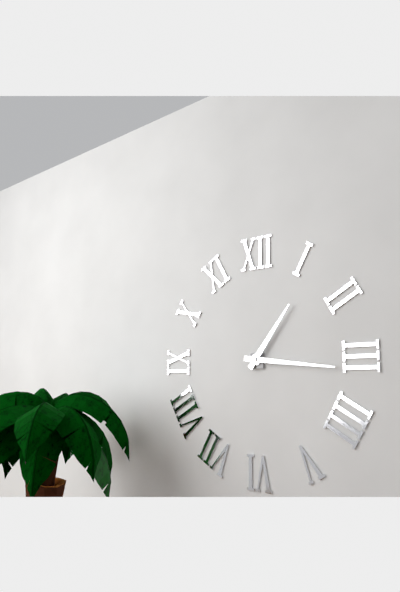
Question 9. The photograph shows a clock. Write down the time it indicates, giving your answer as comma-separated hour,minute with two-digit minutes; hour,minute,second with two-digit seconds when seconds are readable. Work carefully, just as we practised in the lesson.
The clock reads 1,16
